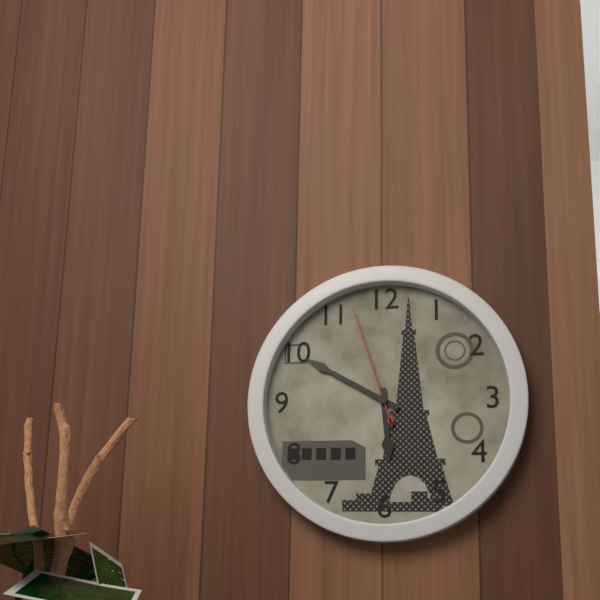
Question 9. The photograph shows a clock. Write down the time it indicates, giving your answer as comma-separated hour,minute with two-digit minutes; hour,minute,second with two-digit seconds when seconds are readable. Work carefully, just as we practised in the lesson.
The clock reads 5,50,57
